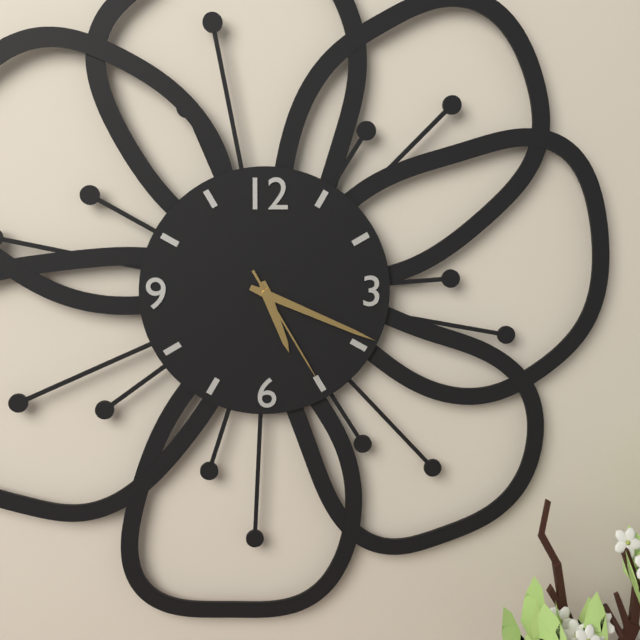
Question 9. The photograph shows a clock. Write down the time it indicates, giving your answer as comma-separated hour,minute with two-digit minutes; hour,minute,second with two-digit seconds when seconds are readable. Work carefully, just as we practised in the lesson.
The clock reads 5,19,25
